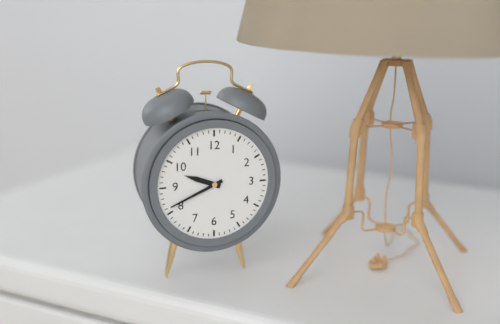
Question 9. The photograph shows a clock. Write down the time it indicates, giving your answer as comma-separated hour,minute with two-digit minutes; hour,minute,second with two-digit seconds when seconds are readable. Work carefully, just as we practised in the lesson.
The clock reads 9,41
